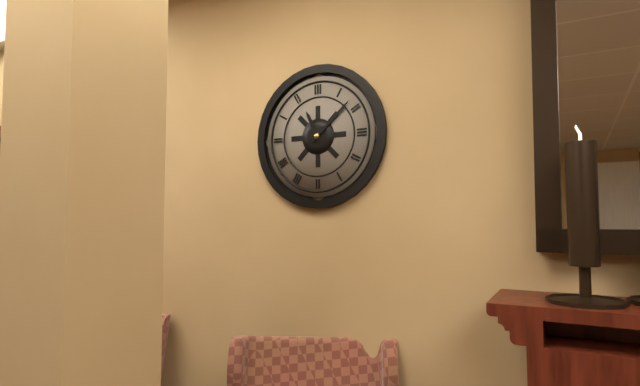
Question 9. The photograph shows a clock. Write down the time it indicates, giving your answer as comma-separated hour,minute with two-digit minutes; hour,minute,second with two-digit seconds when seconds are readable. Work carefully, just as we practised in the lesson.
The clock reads 11,08
